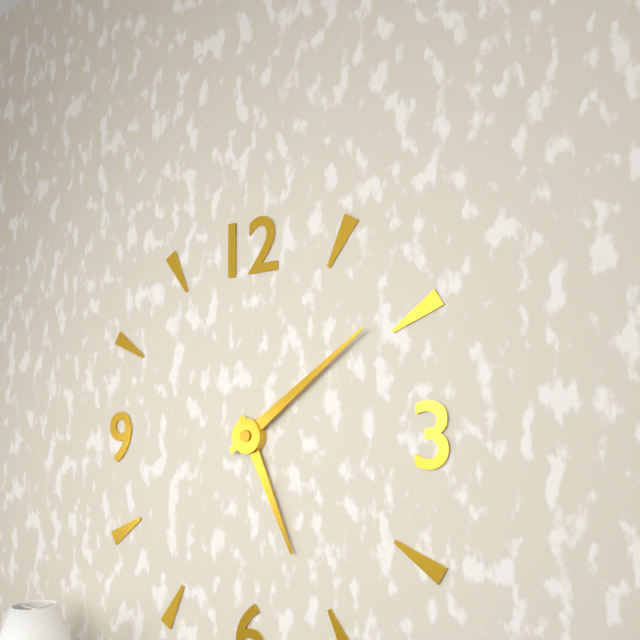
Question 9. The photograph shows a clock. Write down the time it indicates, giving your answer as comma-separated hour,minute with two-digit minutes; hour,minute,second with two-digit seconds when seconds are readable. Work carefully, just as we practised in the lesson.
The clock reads 5,09
